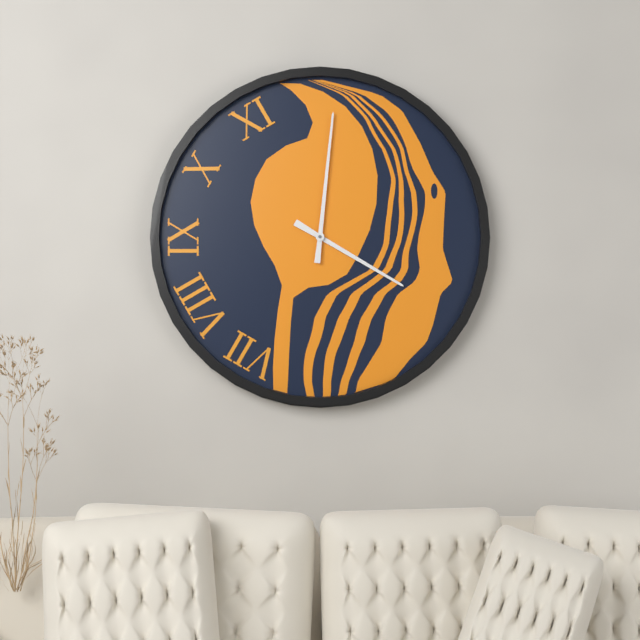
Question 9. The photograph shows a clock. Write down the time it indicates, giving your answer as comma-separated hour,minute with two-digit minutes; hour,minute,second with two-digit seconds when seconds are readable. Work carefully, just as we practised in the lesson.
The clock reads 4,01
